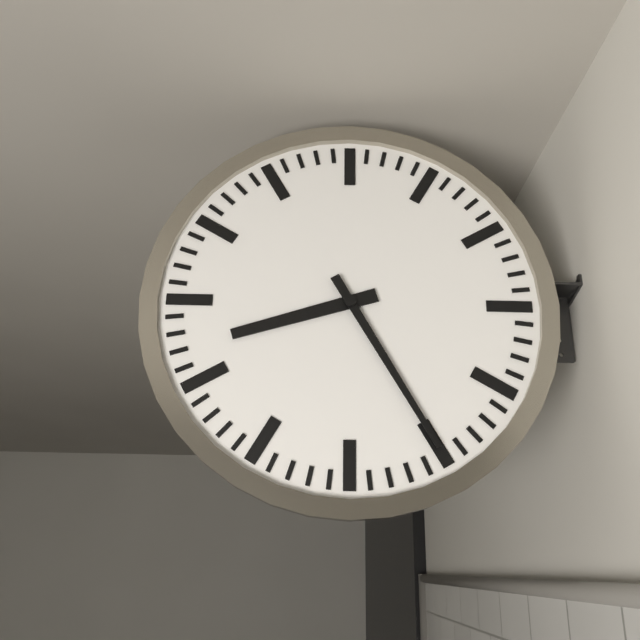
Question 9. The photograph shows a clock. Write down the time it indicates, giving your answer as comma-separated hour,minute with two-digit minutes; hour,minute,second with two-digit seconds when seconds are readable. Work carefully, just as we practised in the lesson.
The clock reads 8,25
